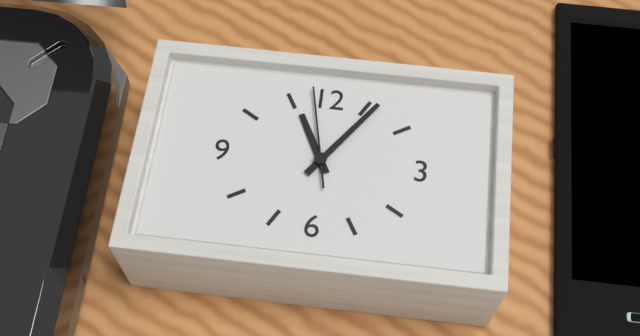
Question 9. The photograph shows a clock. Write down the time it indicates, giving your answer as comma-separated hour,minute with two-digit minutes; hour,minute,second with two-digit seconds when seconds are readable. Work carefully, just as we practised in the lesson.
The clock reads 11,06,58
